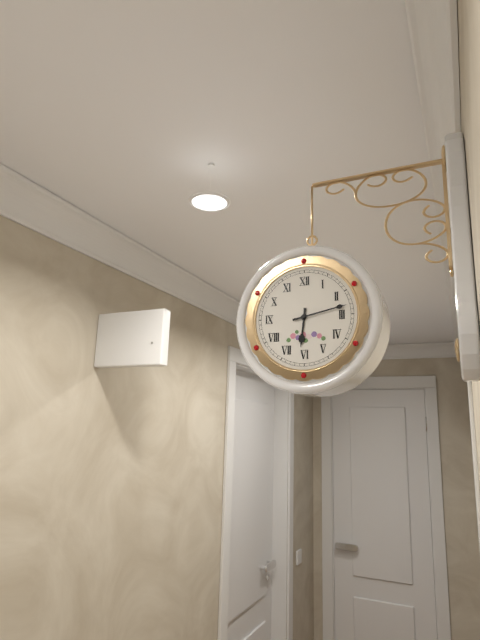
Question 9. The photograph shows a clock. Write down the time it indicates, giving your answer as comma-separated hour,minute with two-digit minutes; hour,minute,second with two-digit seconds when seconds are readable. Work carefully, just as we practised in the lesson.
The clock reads 6,13
